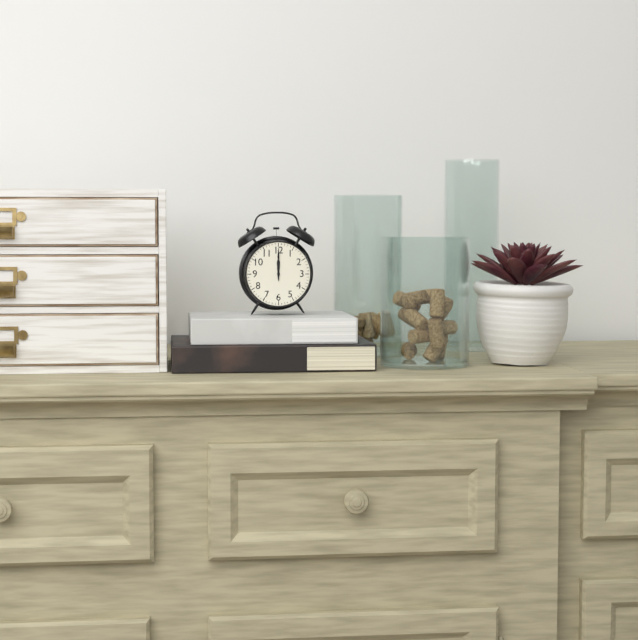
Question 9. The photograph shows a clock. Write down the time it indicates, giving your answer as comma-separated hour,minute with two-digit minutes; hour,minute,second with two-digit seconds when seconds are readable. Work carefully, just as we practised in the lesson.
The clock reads 12,00
